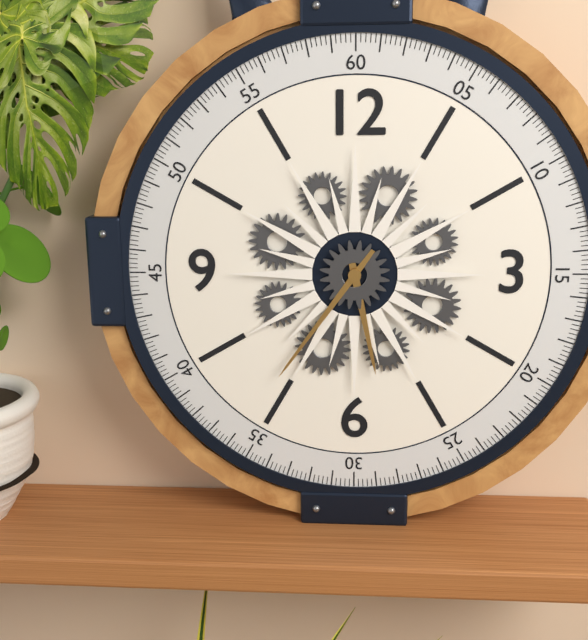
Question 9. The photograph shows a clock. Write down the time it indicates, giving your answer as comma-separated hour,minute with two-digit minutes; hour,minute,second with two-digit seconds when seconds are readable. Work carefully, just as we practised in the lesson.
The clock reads 5,36
